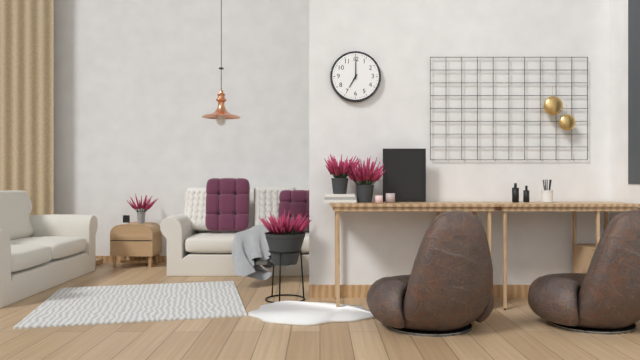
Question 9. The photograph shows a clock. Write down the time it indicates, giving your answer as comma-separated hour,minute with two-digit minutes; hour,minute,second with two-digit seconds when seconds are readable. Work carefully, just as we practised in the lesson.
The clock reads 7,00
